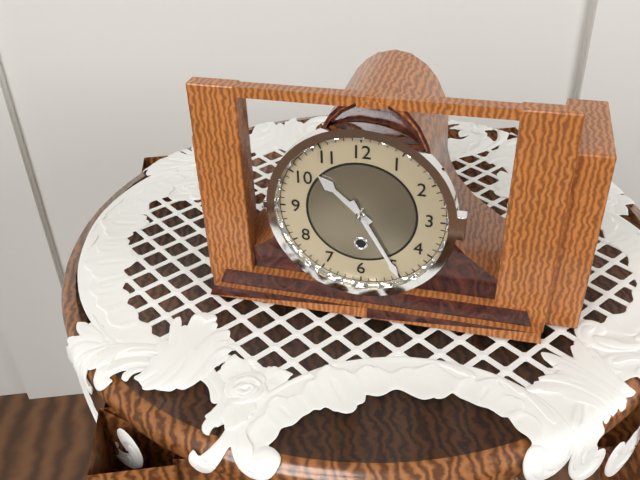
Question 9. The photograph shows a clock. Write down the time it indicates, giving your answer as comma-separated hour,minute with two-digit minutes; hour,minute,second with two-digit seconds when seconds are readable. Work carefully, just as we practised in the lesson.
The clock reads 10,25
